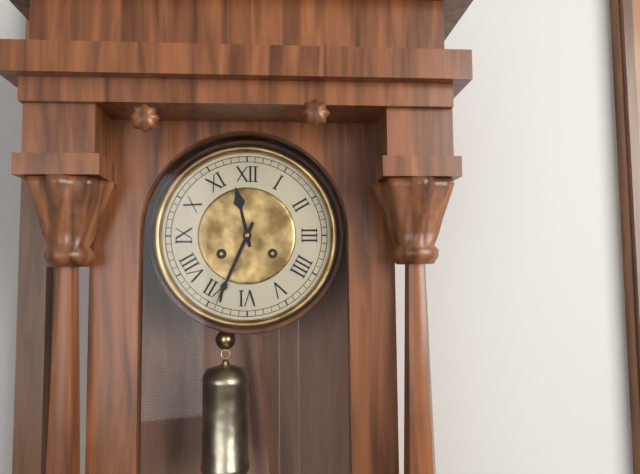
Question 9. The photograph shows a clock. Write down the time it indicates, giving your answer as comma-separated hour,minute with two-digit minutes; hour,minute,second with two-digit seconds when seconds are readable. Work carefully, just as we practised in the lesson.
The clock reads 11,34
